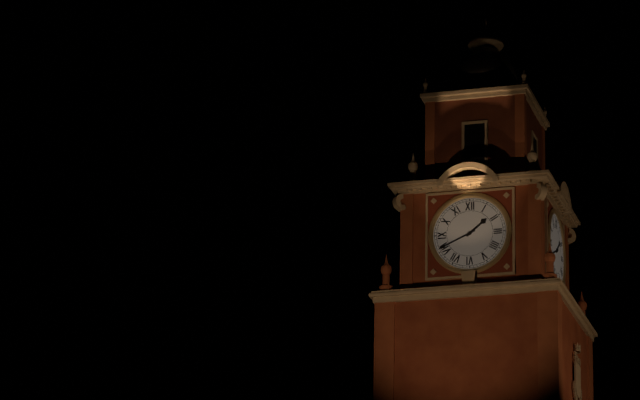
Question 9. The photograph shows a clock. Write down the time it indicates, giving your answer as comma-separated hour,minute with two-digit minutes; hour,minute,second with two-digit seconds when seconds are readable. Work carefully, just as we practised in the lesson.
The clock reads 1,41
